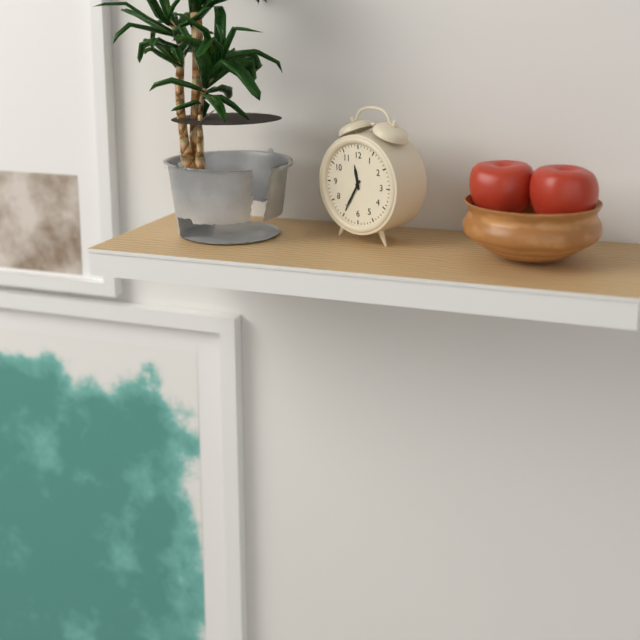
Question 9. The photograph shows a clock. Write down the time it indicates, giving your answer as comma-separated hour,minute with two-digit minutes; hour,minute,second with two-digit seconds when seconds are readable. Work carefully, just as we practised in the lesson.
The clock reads 11,35
